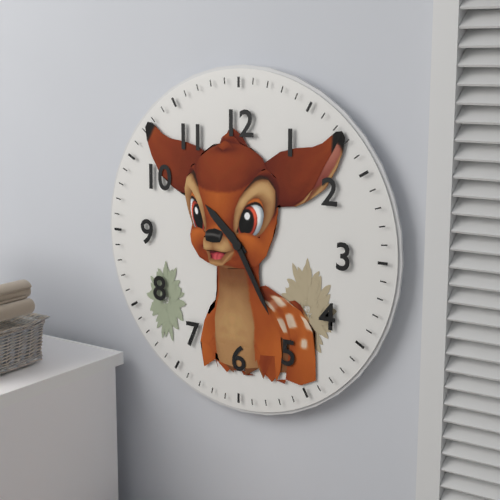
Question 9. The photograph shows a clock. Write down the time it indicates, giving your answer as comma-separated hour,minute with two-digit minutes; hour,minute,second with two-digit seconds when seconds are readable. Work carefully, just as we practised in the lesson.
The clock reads 10,25
